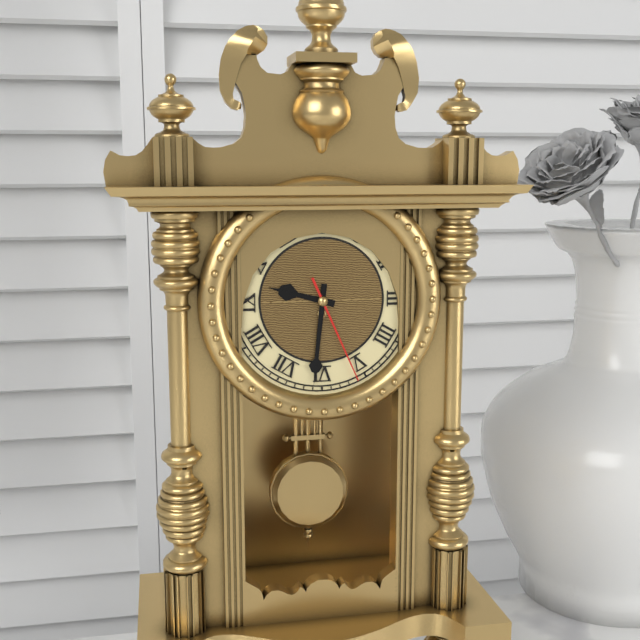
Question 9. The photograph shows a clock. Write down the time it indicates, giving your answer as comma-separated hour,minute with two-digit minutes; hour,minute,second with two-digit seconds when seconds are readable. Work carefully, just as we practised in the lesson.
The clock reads 9,31,26
